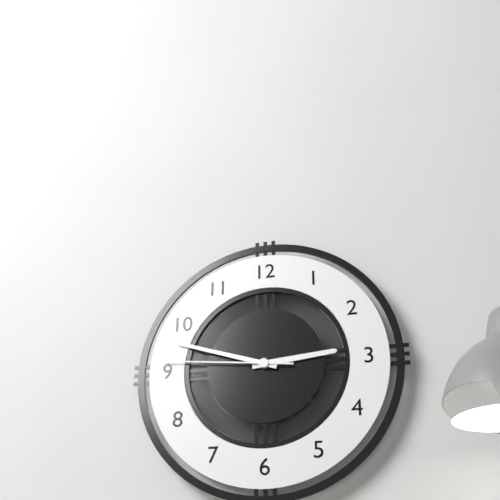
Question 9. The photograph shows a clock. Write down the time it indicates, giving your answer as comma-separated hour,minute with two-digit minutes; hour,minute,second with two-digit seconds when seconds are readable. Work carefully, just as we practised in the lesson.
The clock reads 2,48,46
